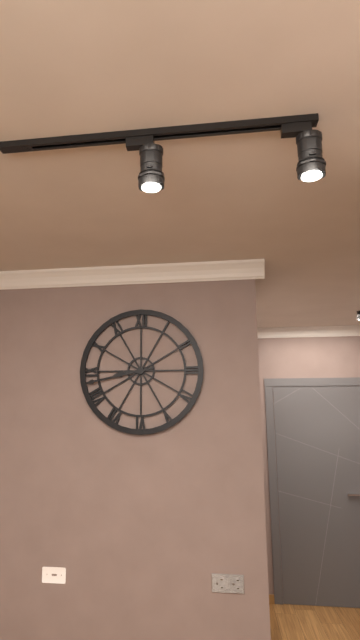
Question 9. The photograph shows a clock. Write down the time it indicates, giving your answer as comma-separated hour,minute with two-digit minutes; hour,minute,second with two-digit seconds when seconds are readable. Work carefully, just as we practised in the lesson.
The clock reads 8,43
